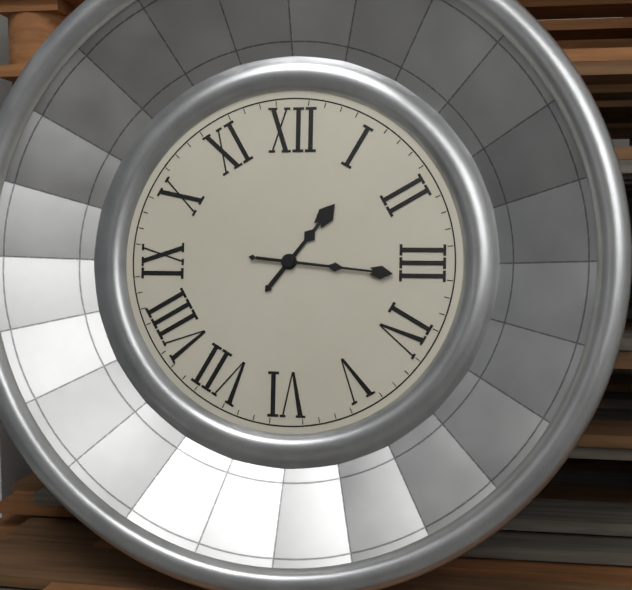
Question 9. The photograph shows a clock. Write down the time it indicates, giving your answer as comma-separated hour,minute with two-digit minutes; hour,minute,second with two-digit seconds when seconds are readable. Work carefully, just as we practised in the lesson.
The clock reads 1,16
